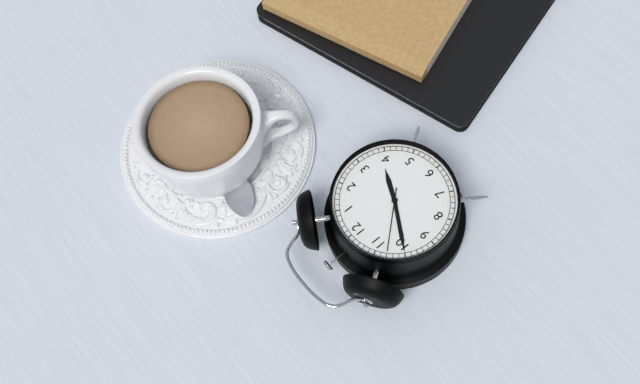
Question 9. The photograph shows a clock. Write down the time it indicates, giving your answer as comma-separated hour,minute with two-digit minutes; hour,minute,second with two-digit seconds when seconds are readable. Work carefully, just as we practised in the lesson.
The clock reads 3,50,53
